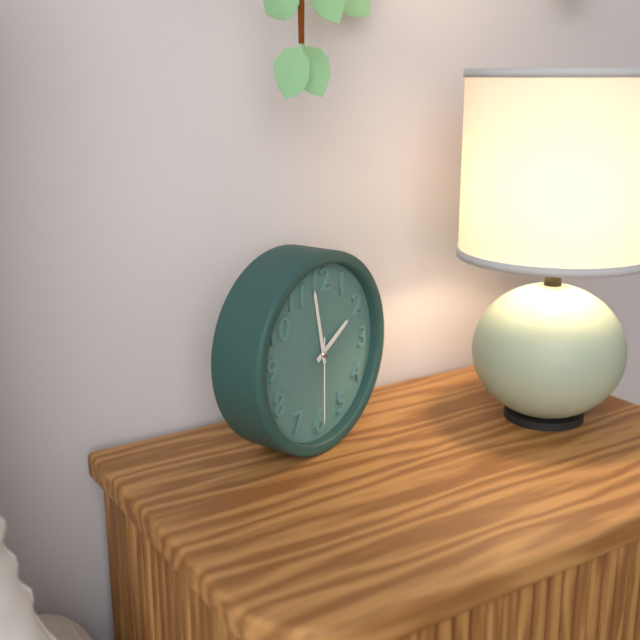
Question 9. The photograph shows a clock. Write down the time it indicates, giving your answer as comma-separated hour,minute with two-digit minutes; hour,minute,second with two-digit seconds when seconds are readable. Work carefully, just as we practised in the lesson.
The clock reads 1,58,30
